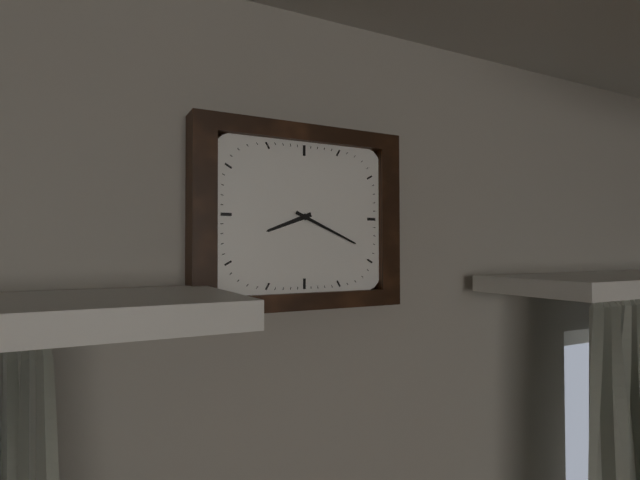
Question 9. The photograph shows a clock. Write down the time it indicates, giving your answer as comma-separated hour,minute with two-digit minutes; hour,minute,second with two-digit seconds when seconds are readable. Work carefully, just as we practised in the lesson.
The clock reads 8,19
